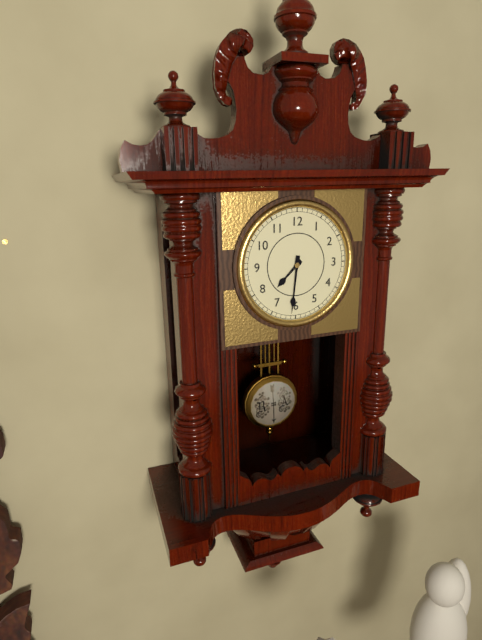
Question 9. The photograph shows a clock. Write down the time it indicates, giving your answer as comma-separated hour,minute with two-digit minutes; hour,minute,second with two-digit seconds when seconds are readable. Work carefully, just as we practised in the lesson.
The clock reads 7,31
